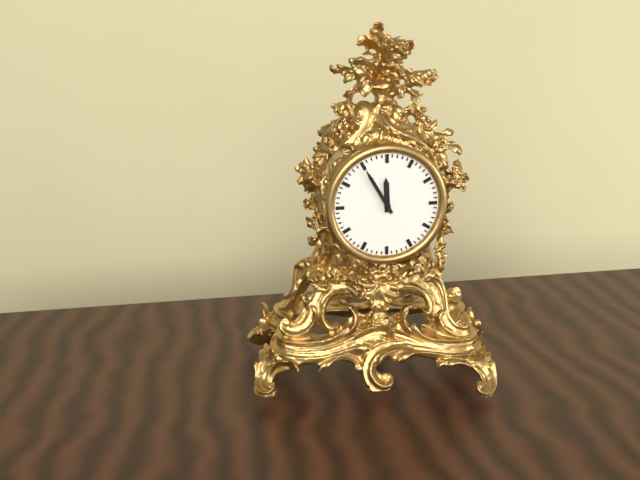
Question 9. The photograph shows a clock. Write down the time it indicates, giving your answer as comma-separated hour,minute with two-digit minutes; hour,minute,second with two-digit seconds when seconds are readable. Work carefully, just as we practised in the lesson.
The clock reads 11,55
